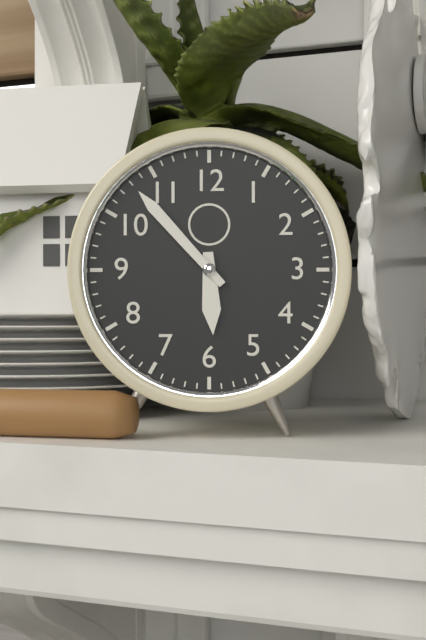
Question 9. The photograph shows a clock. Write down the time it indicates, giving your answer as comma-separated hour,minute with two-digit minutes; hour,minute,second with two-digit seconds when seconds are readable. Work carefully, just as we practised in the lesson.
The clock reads 5,53
